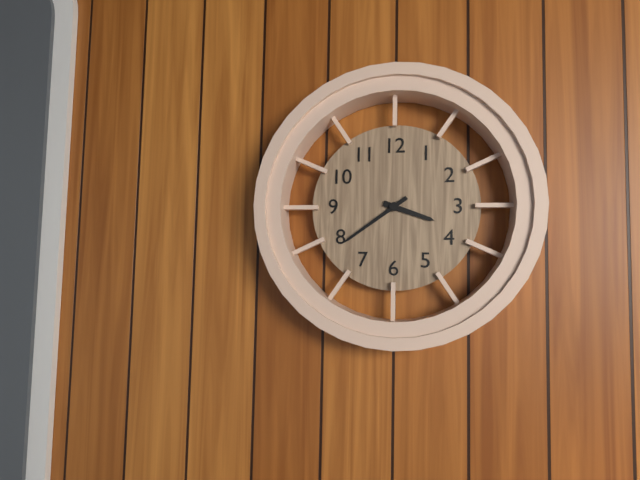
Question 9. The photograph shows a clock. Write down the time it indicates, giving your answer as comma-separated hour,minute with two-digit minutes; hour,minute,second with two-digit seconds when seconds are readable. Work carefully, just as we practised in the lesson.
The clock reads 3,39
